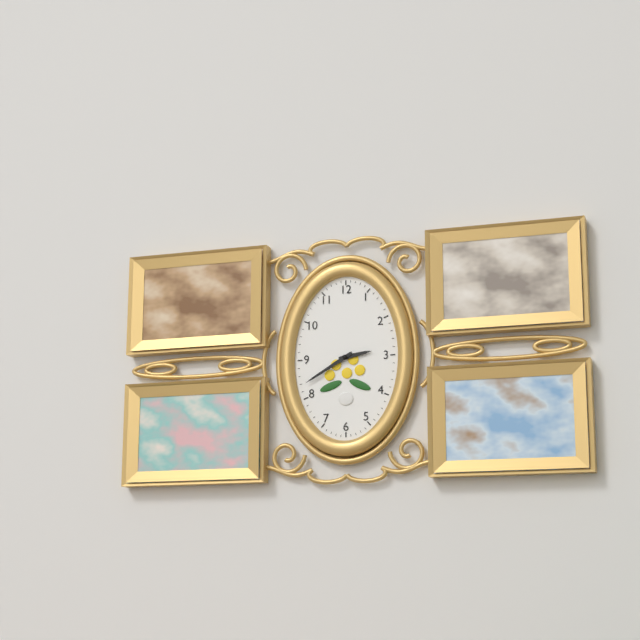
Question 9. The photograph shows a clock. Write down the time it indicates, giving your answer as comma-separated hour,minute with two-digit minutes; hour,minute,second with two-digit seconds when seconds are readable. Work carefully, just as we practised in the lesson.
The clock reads 2,40
